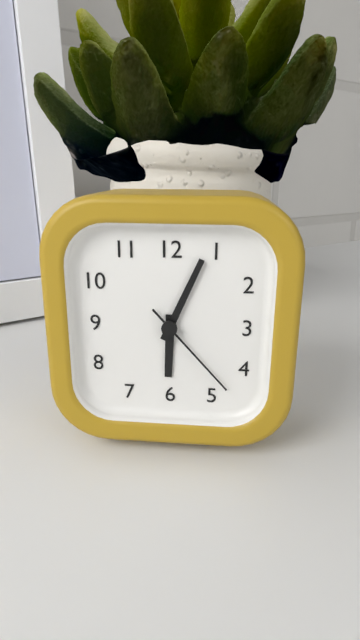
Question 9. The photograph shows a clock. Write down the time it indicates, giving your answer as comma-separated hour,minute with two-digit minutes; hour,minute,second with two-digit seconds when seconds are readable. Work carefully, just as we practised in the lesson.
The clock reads 6,04,23
